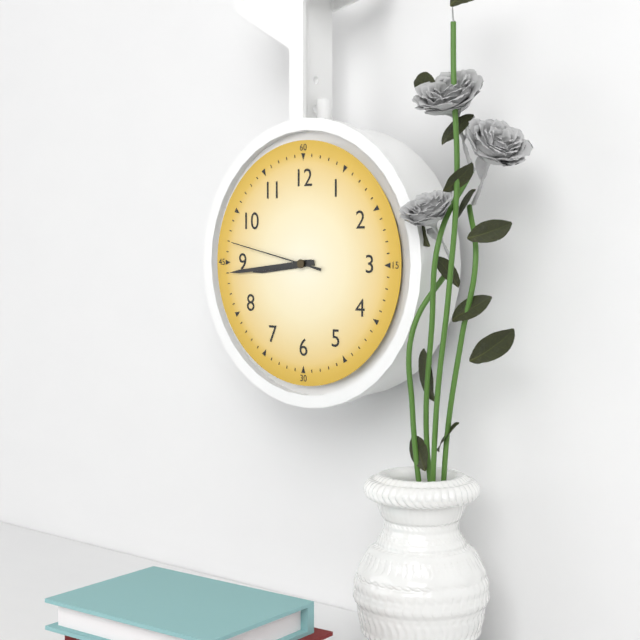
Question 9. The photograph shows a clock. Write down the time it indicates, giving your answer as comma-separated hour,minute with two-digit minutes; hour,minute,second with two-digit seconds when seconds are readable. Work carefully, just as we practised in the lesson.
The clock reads 8,44,47
